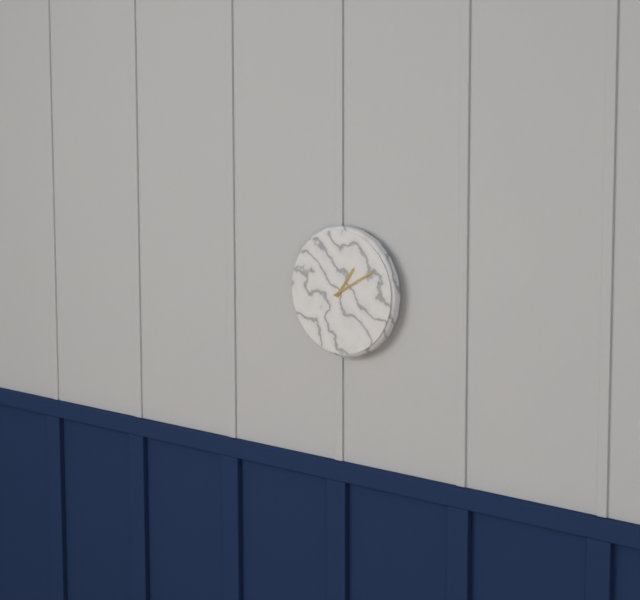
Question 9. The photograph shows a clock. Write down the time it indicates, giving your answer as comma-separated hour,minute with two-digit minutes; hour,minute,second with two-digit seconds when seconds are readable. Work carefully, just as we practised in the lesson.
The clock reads 1,10
